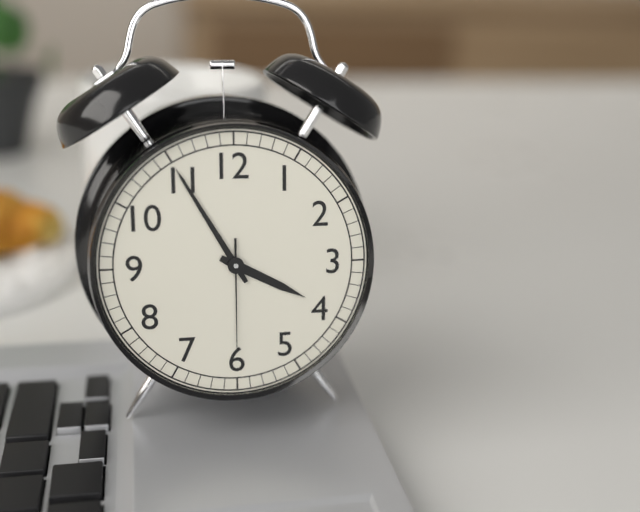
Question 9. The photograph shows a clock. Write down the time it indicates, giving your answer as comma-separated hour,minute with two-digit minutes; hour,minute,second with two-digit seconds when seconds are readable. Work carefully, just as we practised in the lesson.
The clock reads 3,55,30
